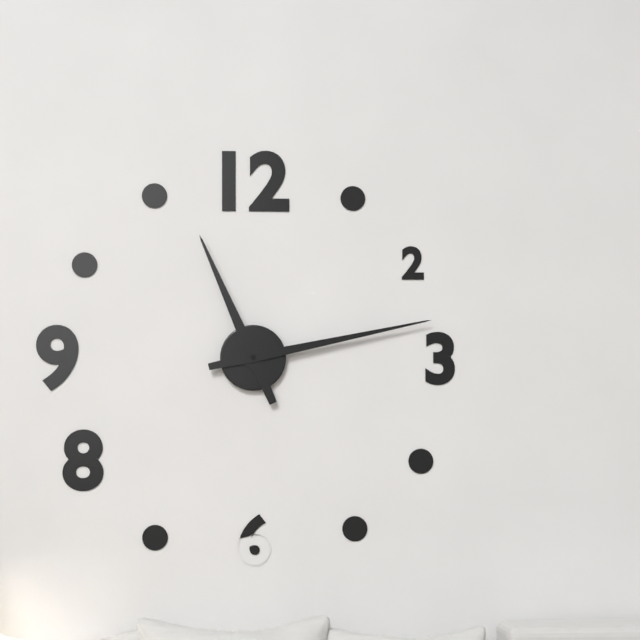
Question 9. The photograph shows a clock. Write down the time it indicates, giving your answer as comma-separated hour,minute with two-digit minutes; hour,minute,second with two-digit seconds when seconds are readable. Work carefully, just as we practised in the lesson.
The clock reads 11,13
